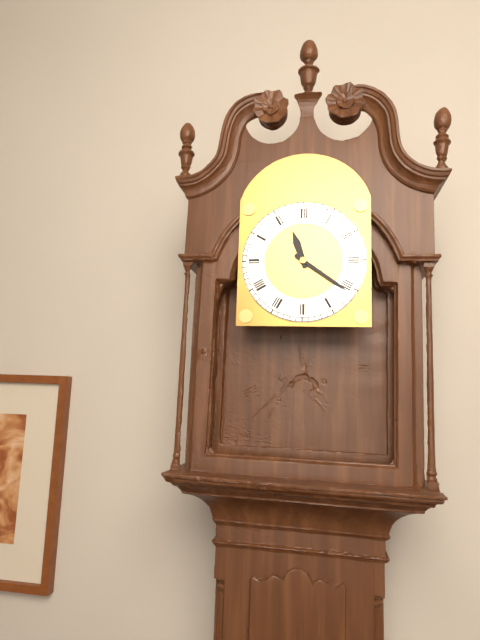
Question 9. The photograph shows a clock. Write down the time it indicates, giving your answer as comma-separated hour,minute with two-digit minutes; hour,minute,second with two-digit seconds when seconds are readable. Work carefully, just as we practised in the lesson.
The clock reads 11,21
